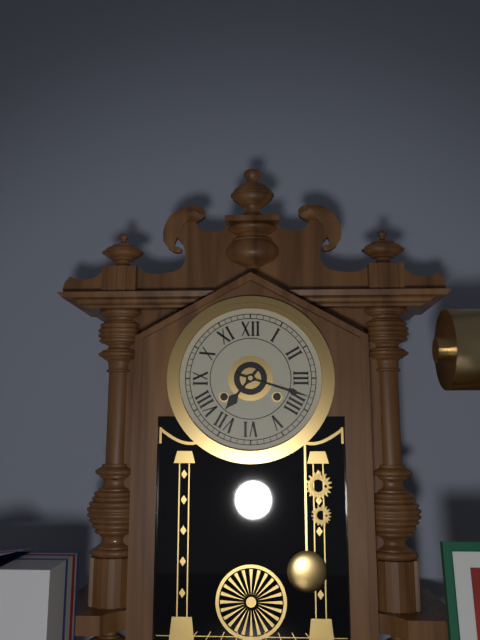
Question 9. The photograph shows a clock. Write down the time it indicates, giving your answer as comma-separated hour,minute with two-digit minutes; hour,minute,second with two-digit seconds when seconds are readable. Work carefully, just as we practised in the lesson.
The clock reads 7,18
